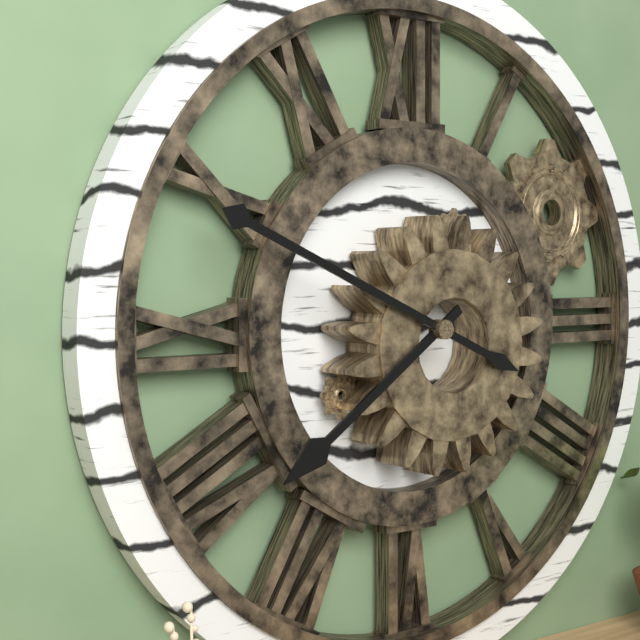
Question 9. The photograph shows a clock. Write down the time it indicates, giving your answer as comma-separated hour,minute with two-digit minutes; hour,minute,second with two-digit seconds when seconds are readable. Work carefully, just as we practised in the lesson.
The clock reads 7,49
